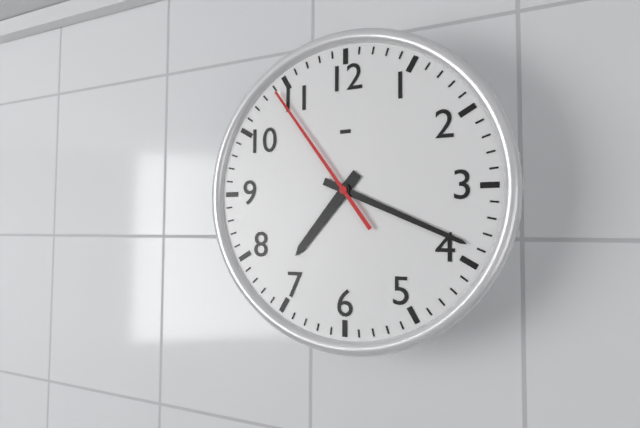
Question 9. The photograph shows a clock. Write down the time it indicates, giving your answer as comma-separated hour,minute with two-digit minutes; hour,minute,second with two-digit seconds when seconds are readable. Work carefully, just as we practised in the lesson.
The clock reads 7,19,54
